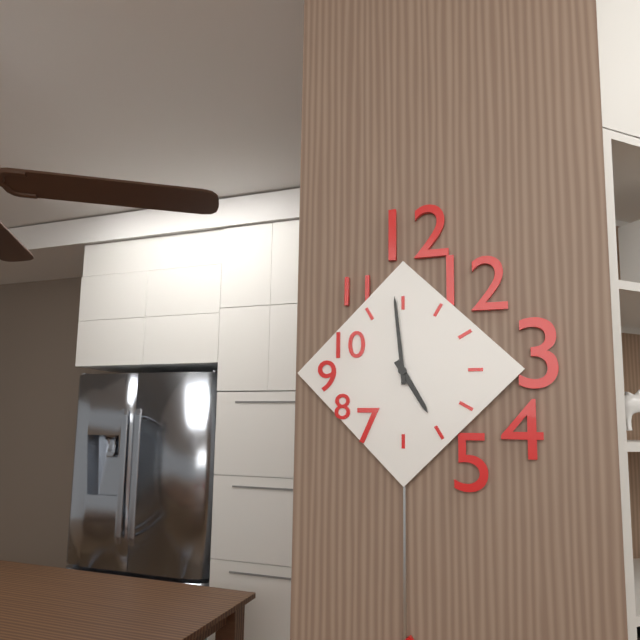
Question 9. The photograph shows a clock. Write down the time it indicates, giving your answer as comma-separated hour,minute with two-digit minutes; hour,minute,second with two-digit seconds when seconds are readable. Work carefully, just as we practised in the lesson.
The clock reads 4,59
